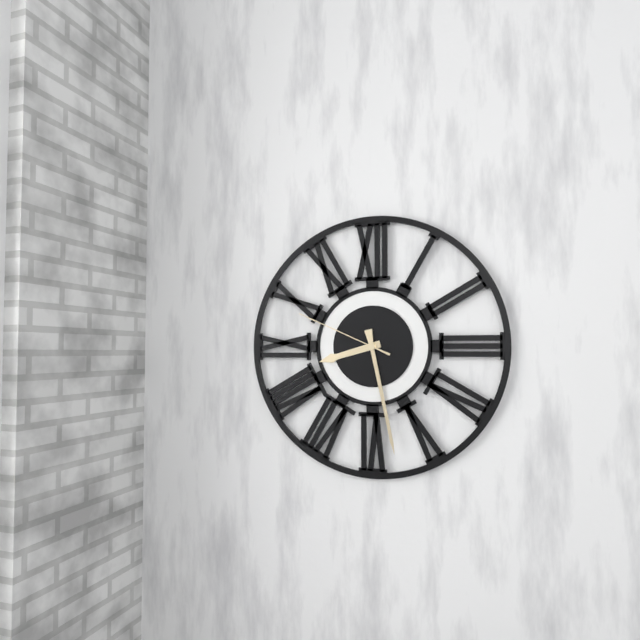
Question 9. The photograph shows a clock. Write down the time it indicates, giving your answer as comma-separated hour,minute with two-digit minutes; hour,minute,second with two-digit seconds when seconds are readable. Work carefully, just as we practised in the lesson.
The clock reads 8,28,49
